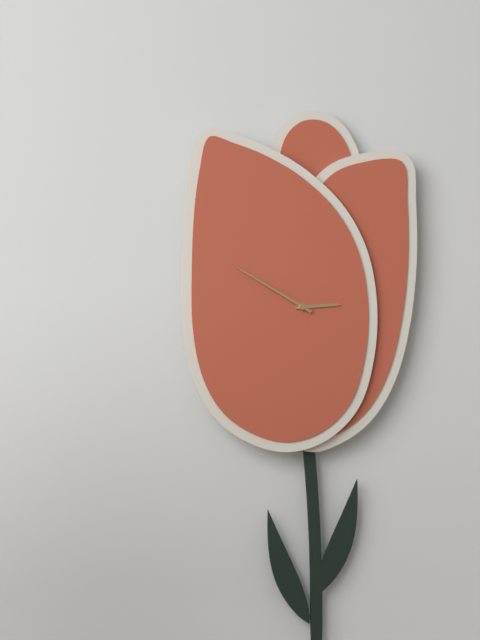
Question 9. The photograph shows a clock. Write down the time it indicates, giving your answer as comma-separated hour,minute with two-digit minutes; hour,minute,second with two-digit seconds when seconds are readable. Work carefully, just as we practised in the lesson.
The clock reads 2,50
